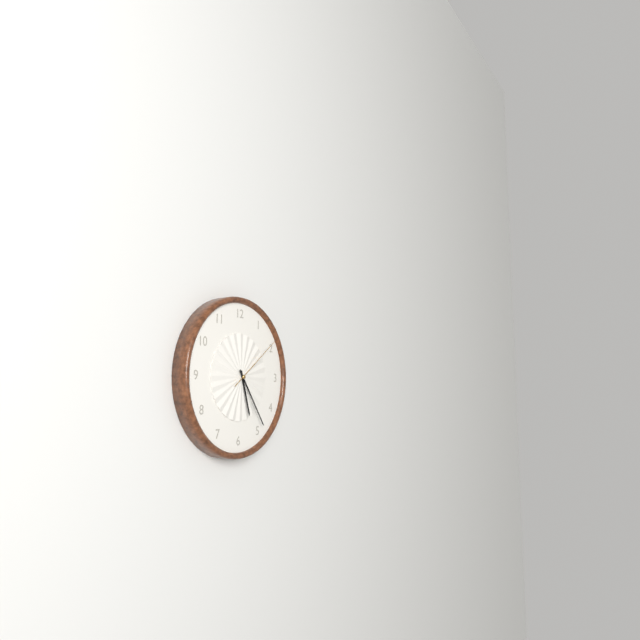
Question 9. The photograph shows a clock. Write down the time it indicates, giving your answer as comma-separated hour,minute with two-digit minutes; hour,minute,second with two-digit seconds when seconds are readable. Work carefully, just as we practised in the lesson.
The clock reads 5,24,09
